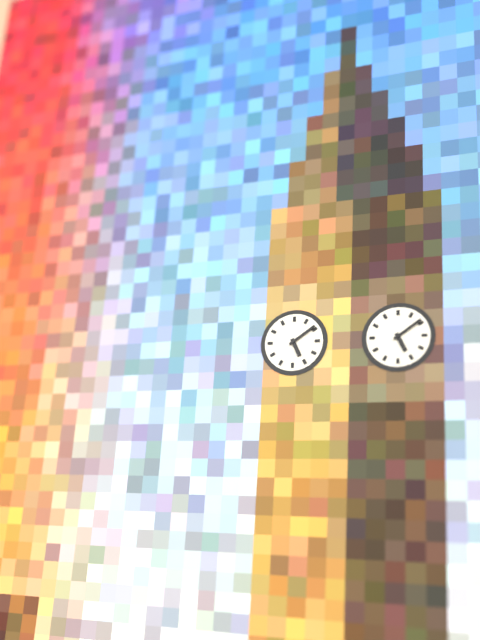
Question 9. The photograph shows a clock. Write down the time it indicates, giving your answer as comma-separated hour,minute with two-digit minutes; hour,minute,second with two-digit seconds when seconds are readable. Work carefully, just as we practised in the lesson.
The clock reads 5,09
